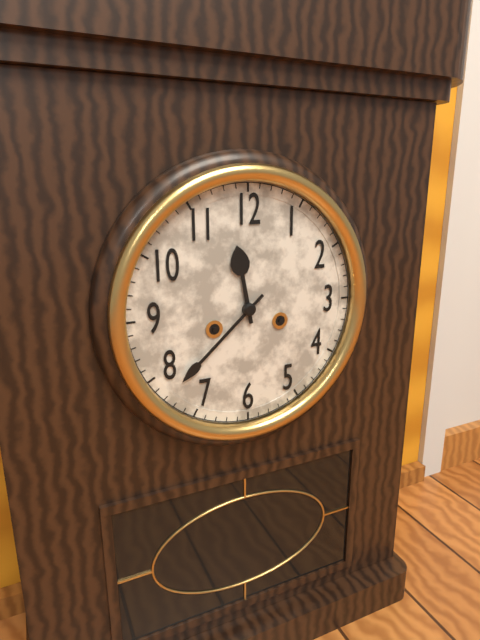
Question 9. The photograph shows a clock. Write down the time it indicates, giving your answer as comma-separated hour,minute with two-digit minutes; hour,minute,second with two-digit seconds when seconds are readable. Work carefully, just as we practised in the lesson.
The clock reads 11,38
